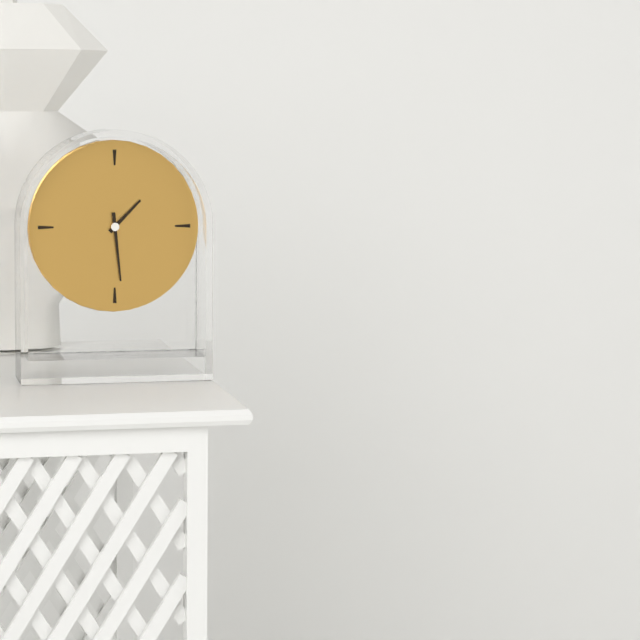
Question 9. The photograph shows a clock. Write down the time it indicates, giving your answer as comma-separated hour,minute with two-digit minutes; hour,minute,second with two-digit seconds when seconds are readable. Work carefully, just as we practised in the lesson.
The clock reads 1,29
